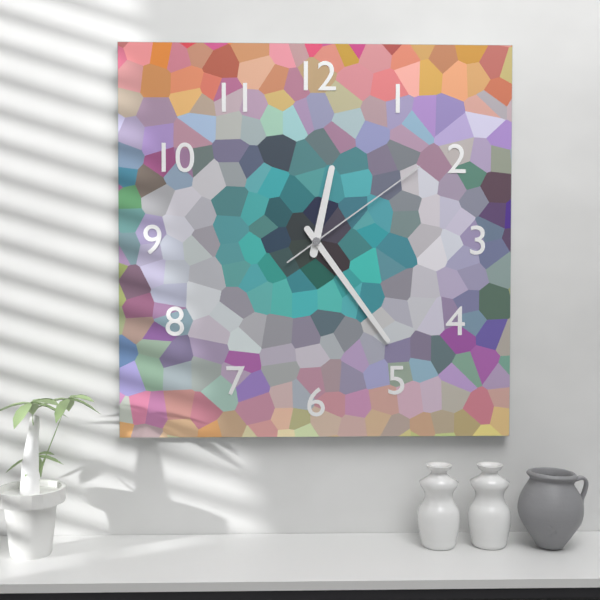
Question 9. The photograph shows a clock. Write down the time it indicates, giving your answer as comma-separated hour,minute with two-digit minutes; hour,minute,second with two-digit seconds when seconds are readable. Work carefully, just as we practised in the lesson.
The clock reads 12,24,09
